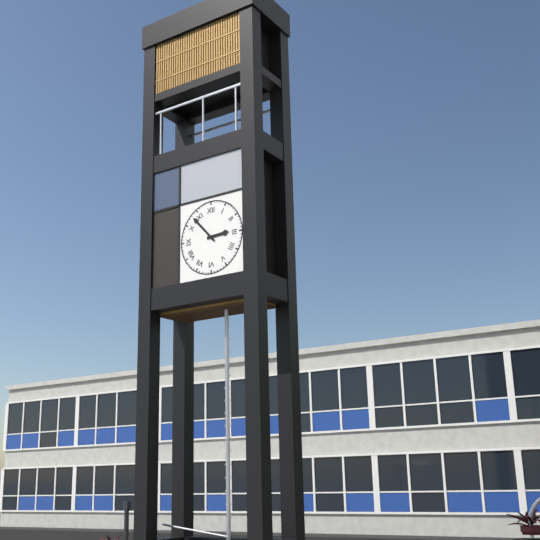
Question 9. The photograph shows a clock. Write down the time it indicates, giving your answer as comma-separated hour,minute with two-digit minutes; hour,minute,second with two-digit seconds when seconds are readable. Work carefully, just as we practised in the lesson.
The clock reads 2,53
